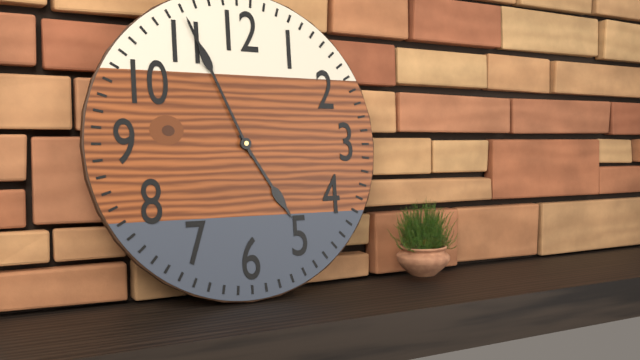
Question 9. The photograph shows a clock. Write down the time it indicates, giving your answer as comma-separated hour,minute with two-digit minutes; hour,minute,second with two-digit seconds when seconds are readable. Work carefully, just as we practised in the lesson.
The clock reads 4,56
